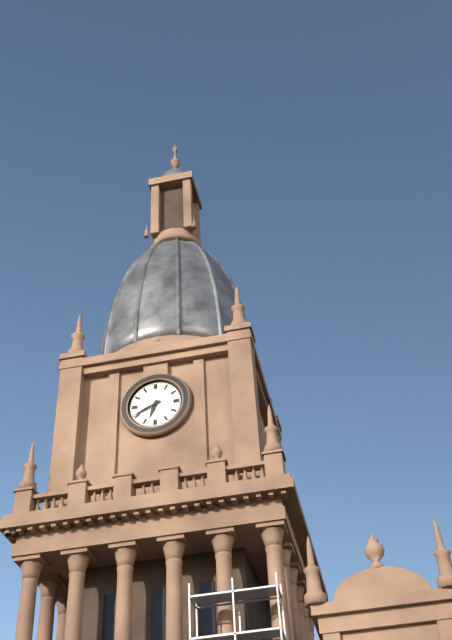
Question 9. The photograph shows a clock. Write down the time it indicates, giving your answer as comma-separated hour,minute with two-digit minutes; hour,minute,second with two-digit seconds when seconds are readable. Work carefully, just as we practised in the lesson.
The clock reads 6,41
